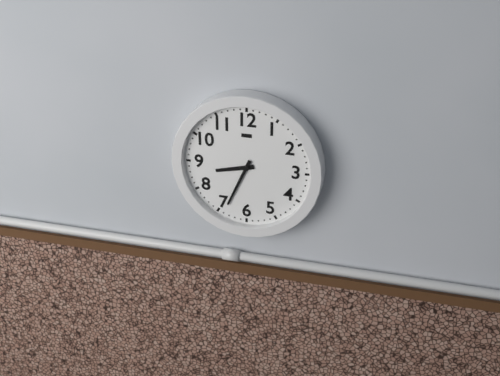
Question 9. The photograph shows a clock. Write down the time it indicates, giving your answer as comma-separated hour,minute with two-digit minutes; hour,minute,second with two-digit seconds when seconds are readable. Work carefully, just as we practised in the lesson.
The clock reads 8,34
